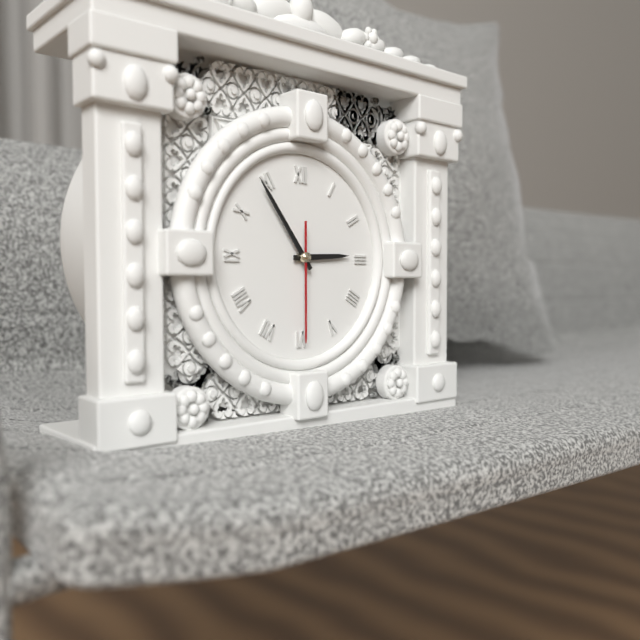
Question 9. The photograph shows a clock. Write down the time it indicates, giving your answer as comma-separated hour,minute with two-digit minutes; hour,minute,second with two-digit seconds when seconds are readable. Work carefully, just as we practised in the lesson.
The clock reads 2,54,30
